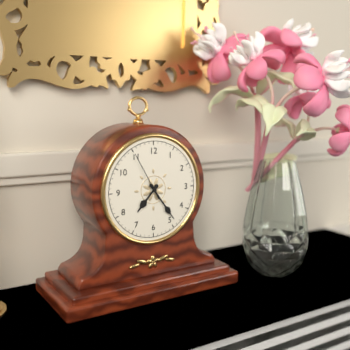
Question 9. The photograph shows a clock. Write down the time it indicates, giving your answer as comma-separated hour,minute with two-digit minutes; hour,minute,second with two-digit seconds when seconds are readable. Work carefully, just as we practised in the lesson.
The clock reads 7,24,55
